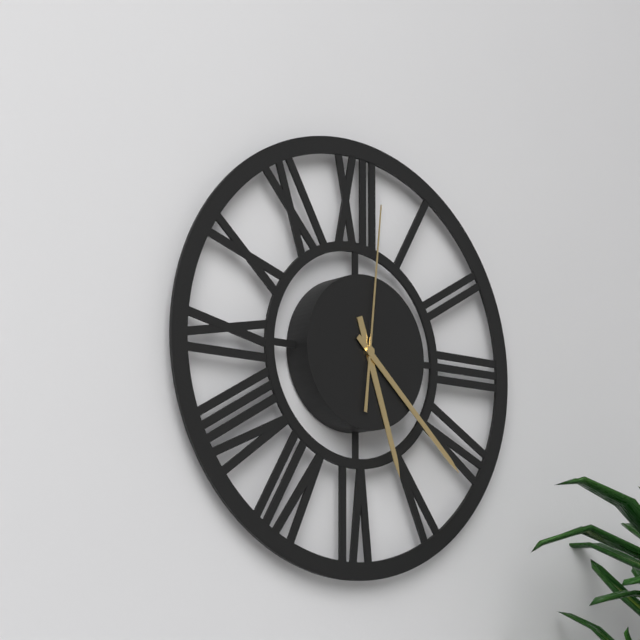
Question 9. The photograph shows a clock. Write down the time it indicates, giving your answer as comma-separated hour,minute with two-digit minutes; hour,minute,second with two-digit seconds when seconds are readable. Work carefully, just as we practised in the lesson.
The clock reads 5,22,01
